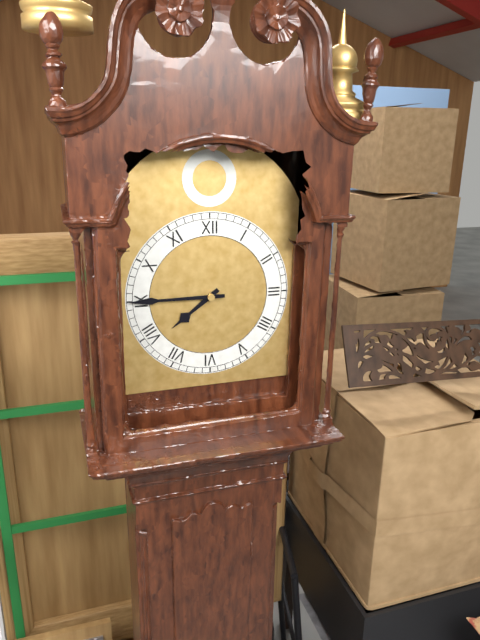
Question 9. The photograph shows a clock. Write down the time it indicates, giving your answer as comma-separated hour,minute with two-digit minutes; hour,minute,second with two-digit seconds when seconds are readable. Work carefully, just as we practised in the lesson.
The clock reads 7,45
